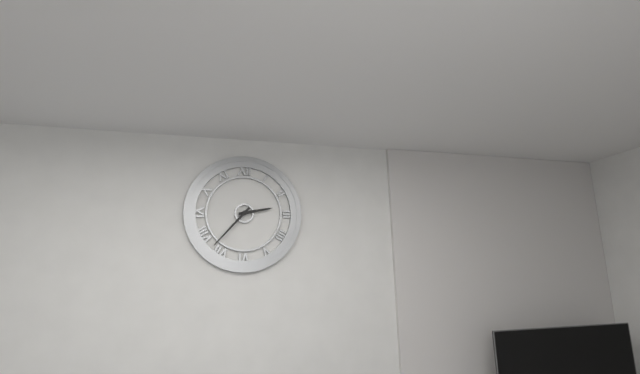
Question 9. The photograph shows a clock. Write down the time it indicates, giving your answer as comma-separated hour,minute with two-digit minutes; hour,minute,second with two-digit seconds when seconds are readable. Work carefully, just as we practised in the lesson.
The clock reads 2,37
